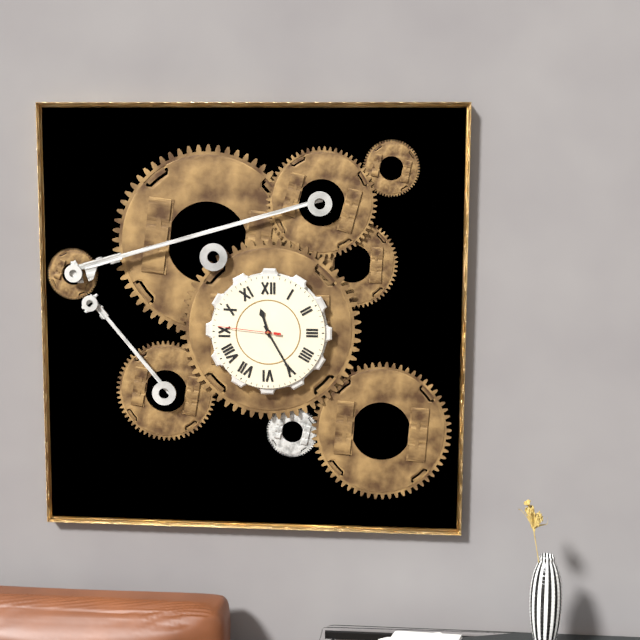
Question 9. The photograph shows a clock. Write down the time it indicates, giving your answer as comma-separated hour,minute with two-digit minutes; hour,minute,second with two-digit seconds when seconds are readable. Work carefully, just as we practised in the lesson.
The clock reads 11,25,46
